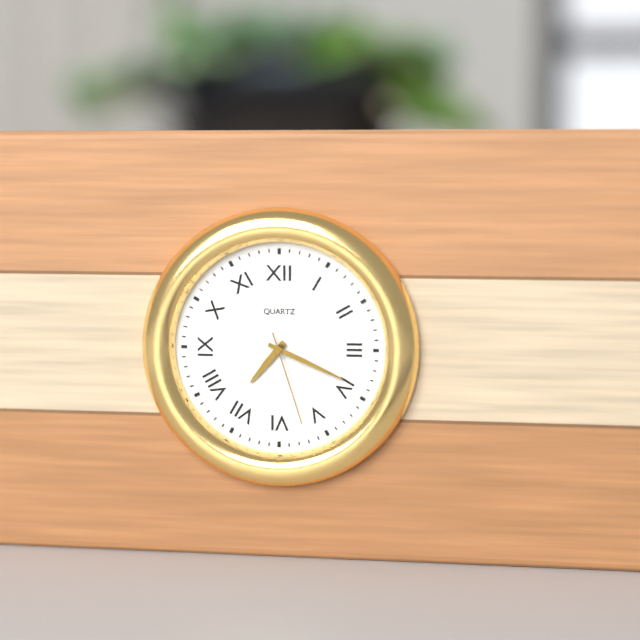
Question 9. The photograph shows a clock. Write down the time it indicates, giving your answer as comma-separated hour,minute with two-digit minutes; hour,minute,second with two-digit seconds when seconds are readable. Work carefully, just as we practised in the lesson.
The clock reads 7,19,27
